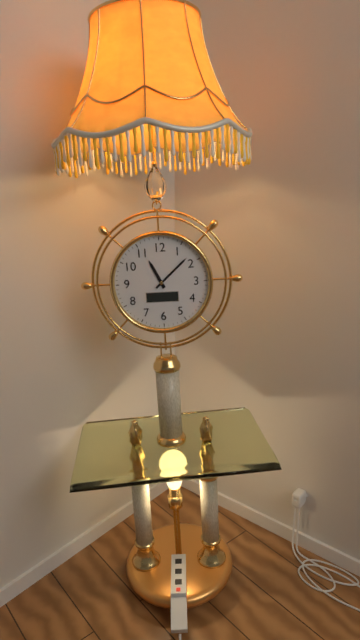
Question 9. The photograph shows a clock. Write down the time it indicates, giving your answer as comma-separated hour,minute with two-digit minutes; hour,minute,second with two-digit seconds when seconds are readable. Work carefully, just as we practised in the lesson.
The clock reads 11,08
